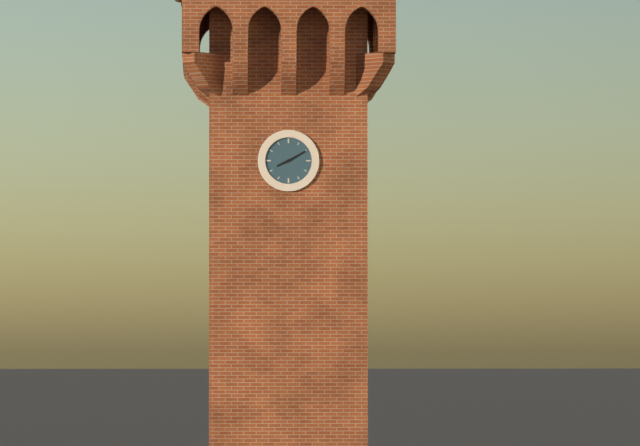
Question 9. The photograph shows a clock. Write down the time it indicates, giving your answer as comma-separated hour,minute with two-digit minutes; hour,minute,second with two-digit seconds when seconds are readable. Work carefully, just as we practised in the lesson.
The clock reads 8,10
